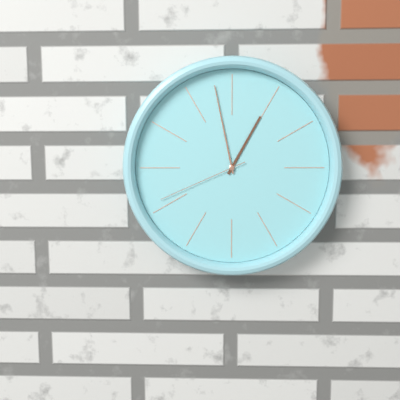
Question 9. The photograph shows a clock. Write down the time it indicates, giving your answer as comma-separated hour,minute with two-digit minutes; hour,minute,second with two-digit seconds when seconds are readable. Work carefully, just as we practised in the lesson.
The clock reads 12,58,41
